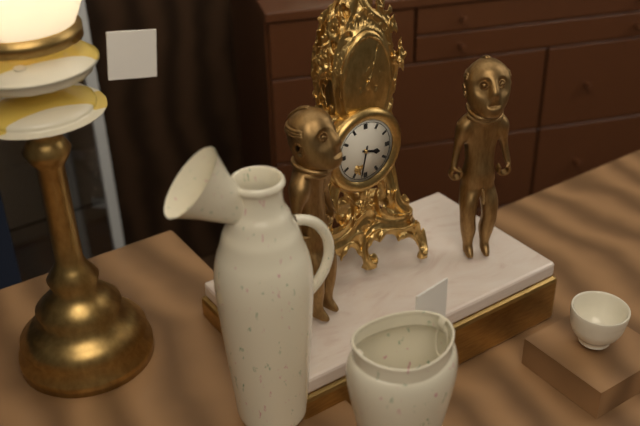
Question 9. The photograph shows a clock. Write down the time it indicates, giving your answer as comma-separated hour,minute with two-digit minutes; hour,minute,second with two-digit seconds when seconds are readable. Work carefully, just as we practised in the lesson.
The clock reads 3,32
